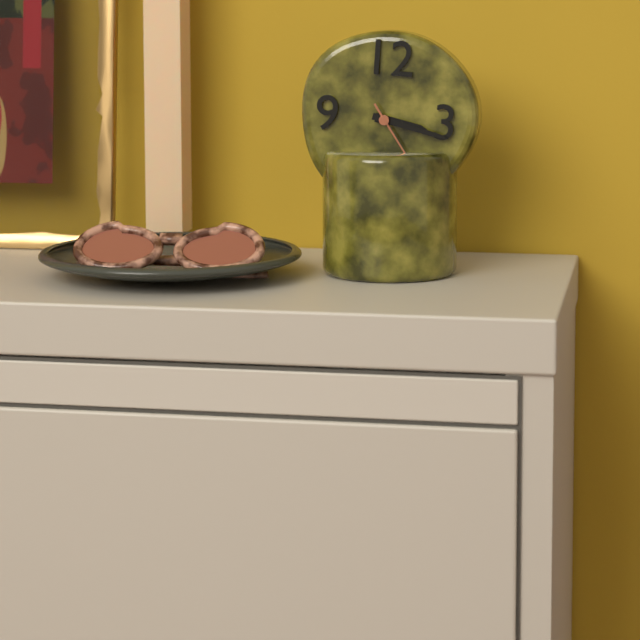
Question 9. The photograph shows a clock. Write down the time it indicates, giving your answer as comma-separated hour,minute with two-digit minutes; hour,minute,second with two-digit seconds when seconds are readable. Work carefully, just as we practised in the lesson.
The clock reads 3,17
